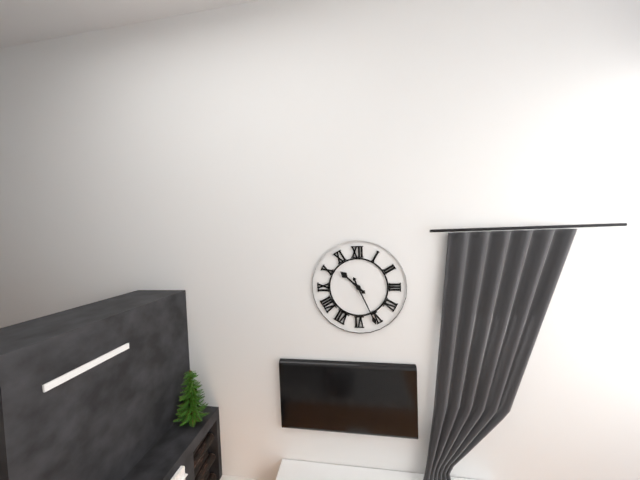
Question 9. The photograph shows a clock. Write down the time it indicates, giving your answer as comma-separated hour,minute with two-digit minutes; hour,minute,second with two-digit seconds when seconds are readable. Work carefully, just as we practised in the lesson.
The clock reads 10,26
